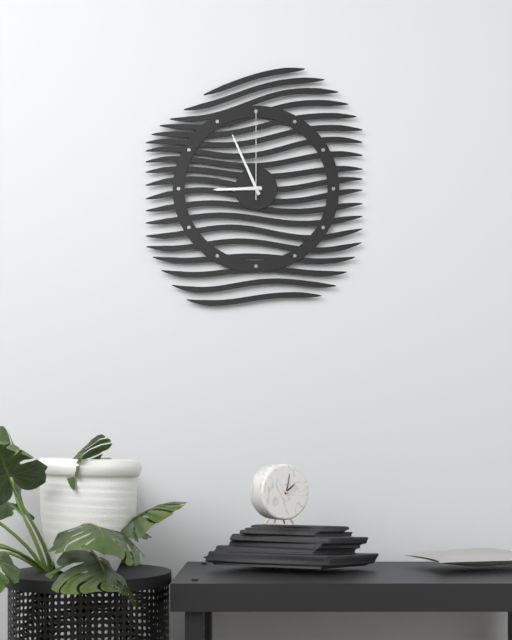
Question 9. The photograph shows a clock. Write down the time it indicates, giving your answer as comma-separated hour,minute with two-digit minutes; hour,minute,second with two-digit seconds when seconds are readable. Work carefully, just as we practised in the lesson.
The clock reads 8,56,00
